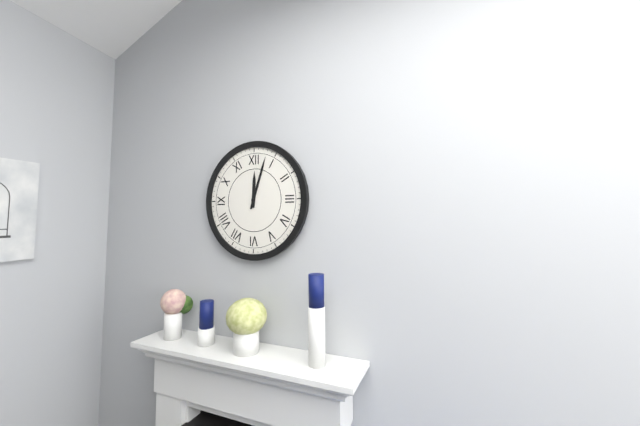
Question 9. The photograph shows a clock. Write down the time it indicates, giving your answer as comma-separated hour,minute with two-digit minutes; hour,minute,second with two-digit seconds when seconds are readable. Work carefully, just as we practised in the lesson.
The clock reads 12,03
